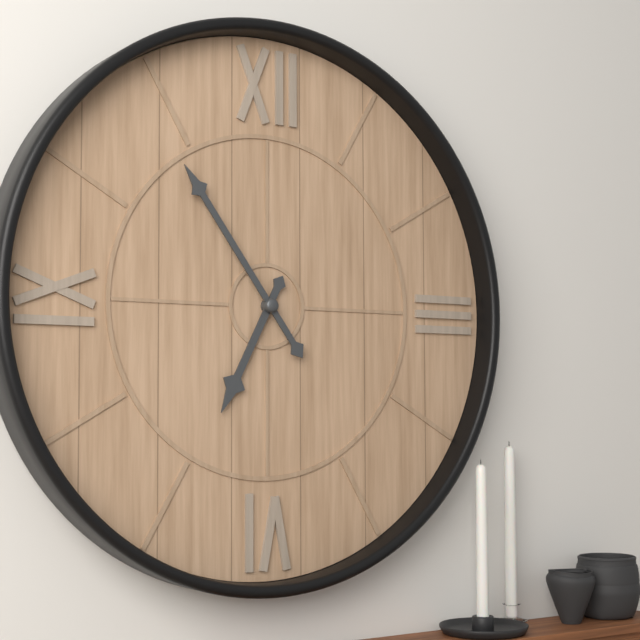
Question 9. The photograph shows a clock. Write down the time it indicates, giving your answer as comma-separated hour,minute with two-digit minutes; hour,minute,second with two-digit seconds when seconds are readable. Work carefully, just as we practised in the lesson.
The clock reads 6,54
